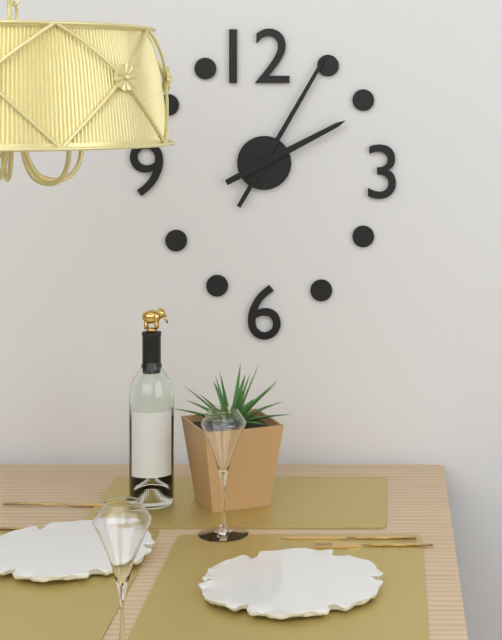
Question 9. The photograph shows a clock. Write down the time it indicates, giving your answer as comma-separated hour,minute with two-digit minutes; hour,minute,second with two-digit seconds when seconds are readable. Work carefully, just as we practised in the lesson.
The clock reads 2,05
